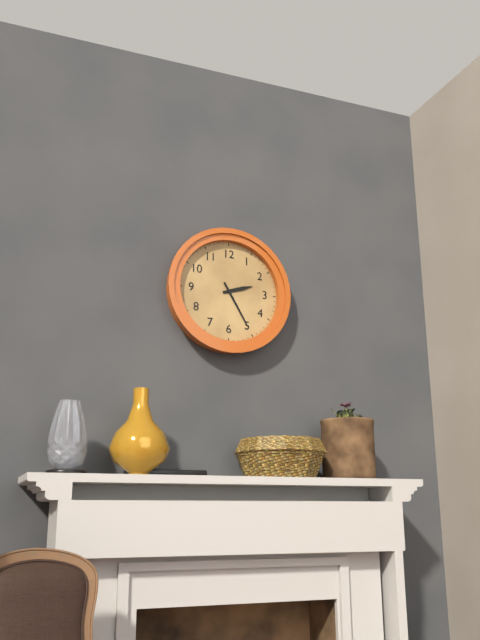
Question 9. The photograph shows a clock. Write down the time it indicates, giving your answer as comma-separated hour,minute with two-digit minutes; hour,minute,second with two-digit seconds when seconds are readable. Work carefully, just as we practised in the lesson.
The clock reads 2,25
